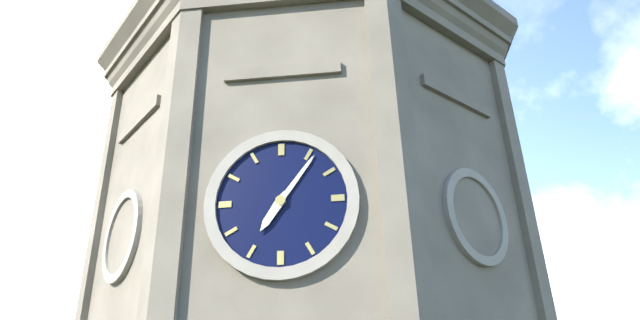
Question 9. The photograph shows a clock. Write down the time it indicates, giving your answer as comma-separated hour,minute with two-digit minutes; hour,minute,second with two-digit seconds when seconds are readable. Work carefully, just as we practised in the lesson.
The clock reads 7,06
